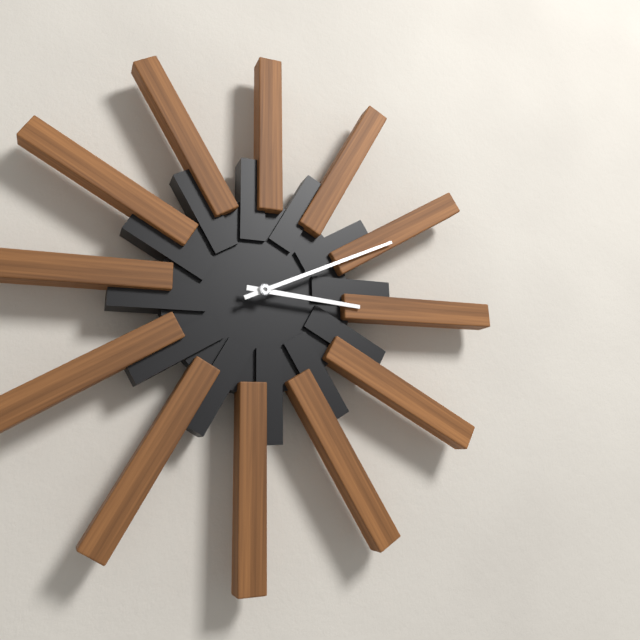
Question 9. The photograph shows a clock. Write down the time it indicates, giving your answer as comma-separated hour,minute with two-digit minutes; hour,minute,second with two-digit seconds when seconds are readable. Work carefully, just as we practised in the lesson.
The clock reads 3,11
